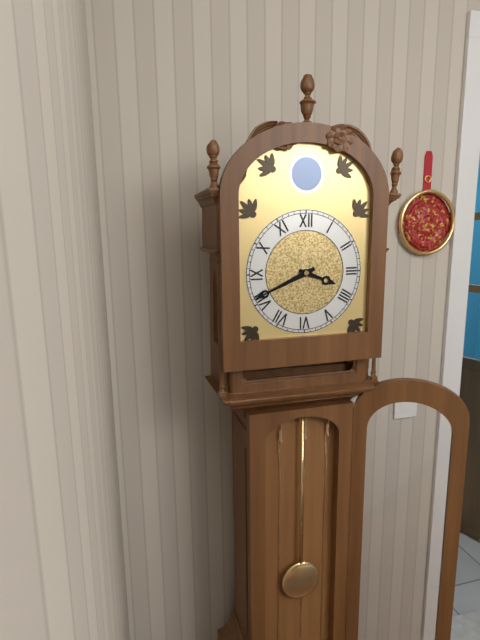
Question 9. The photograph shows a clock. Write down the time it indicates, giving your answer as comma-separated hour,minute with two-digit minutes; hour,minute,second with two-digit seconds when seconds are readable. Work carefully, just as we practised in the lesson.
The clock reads 3,41
